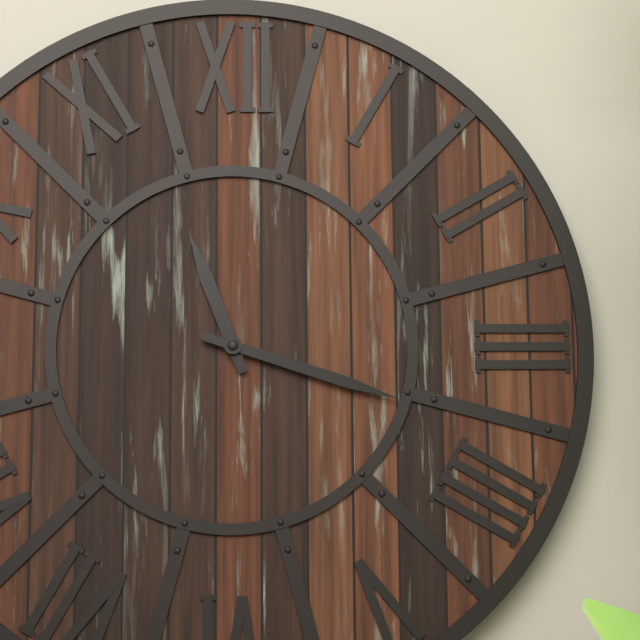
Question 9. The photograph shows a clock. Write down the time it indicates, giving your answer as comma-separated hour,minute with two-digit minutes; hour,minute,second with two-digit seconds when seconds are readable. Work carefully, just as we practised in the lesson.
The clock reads 11,18
